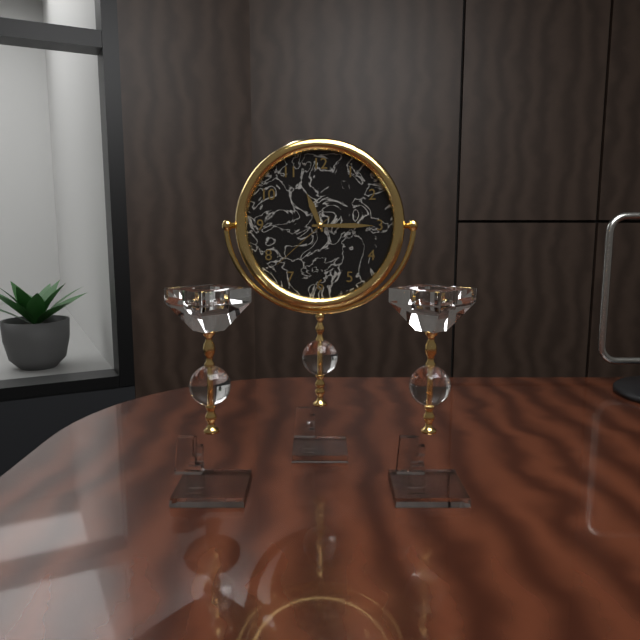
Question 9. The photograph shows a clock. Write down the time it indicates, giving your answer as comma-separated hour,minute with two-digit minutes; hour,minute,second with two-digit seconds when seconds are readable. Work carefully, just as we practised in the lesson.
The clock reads 11,15,38
